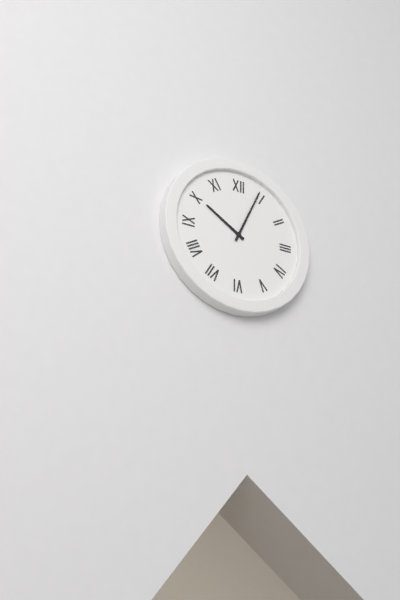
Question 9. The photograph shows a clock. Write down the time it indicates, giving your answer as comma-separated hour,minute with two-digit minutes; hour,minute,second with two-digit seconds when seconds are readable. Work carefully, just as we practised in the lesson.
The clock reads 10,04
